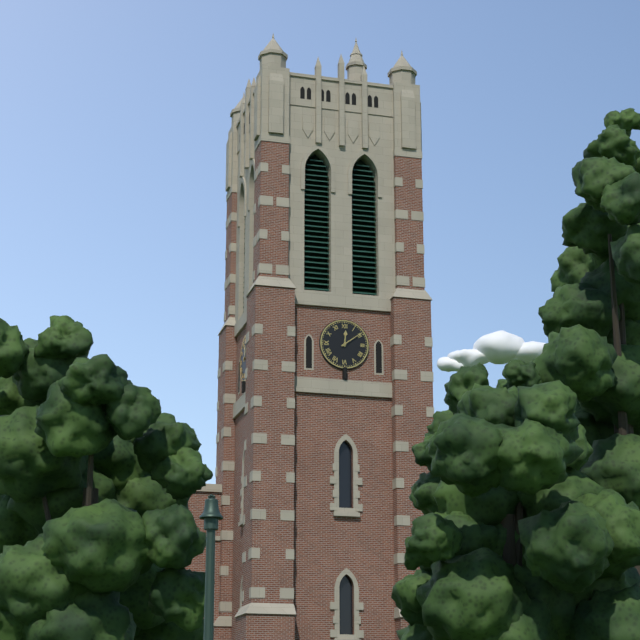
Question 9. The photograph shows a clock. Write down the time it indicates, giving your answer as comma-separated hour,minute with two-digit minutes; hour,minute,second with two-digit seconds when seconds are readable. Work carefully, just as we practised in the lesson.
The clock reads 12,09
